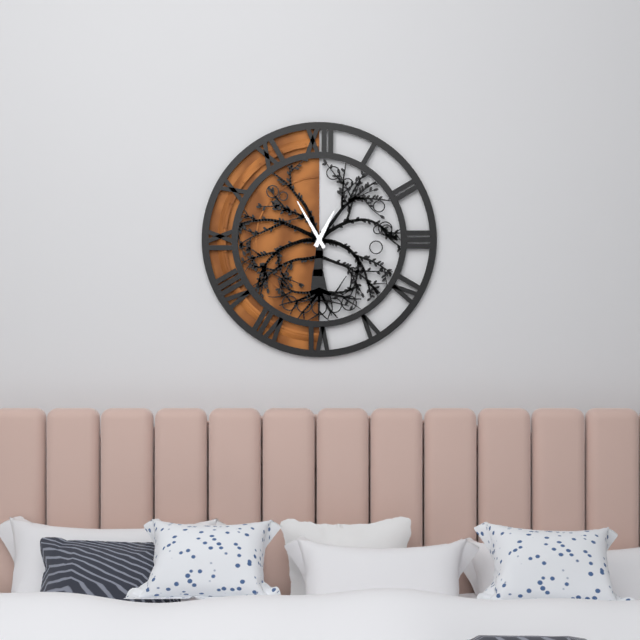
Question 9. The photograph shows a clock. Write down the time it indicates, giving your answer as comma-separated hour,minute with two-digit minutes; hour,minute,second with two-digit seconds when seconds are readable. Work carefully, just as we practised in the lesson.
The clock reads 12,55
